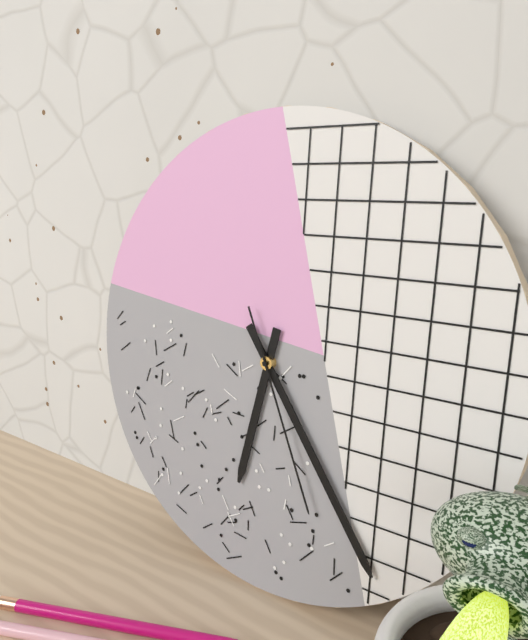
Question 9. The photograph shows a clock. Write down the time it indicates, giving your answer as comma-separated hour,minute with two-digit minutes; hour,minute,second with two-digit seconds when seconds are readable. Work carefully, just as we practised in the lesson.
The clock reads 6,24,26
